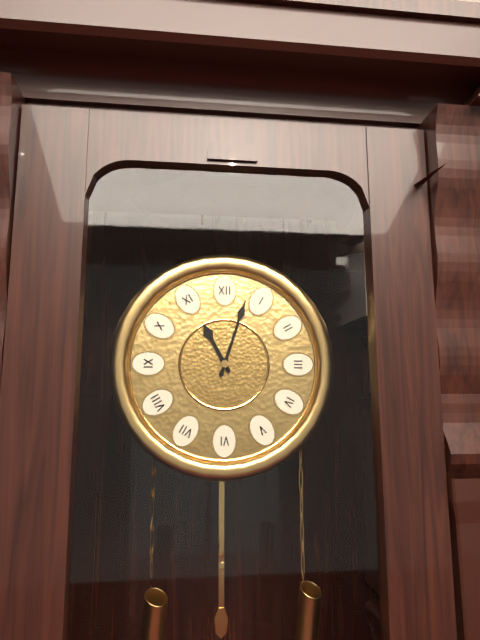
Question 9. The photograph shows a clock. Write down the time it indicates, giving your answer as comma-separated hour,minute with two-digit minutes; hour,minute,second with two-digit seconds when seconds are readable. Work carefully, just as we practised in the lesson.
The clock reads 11,03
